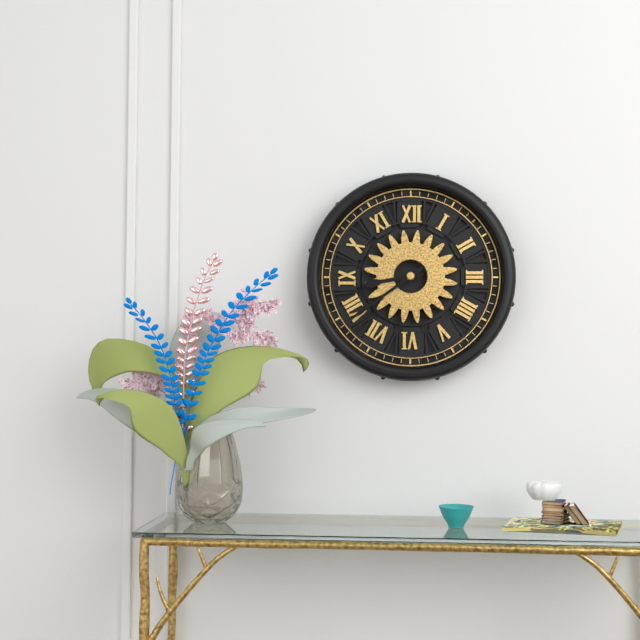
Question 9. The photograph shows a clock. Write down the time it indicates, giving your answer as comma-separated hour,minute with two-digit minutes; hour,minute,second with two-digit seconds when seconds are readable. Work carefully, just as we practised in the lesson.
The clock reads 8,39
